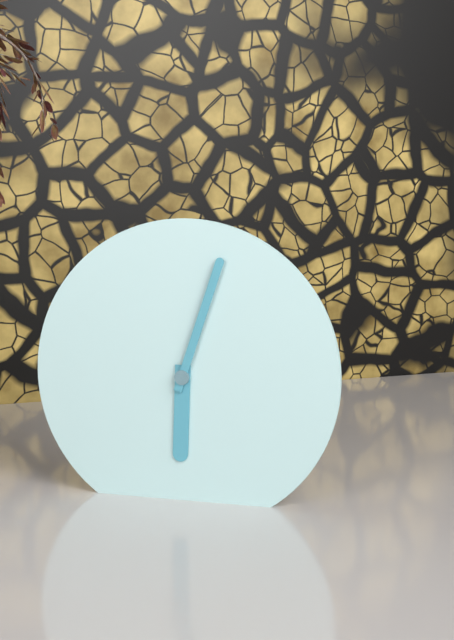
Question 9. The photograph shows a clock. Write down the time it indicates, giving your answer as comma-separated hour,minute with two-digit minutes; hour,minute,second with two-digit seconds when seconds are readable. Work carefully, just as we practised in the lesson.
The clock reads 6,03
